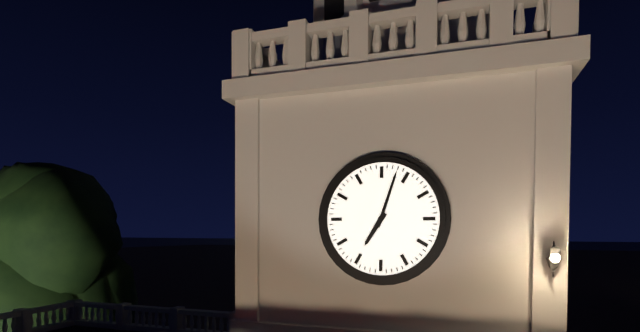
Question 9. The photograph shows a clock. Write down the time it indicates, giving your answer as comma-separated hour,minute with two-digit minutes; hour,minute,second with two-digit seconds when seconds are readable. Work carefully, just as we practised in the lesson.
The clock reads 7,03
